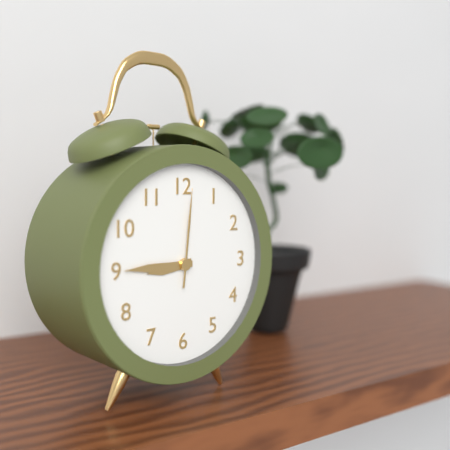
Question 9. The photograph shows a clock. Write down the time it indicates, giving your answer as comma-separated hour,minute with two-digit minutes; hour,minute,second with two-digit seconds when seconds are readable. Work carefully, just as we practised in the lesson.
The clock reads 8,45,01
